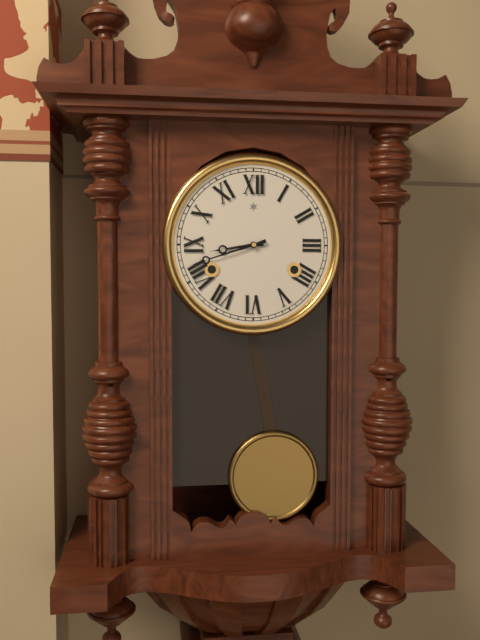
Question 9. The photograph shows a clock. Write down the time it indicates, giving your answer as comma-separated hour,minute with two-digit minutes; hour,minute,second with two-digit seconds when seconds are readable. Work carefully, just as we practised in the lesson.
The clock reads 8,42
